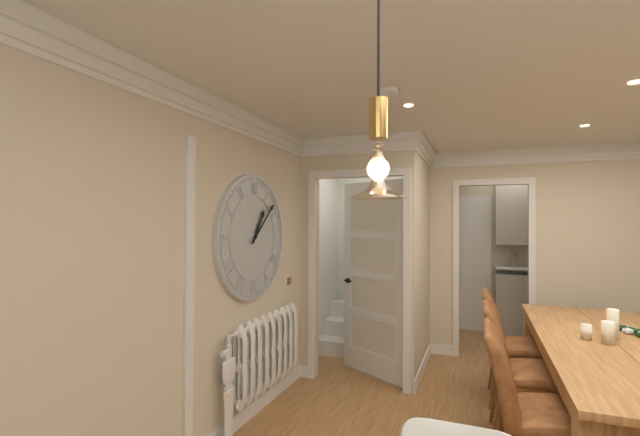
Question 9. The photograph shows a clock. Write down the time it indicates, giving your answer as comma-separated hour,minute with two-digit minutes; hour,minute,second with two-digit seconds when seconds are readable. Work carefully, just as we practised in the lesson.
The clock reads 1,08
